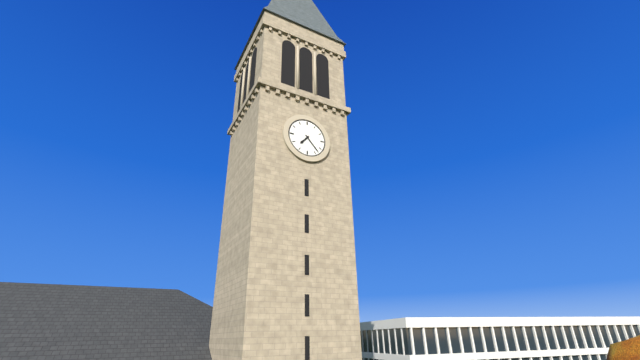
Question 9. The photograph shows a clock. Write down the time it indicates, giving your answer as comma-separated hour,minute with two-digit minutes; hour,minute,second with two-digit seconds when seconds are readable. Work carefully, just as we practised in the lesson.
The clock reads 7,23
